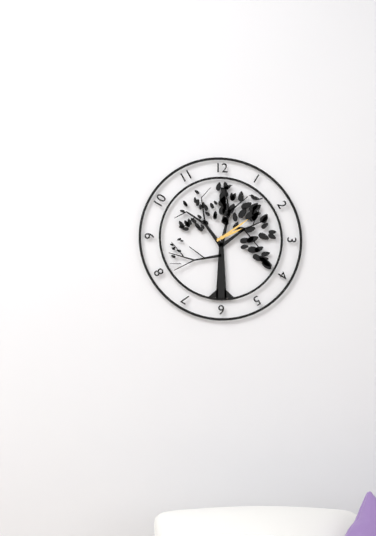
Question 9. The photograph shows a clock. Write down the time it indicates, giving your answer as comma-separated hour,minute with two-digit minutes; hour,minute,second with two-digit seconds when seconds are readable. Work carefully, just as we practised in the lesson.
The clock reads 2,09
